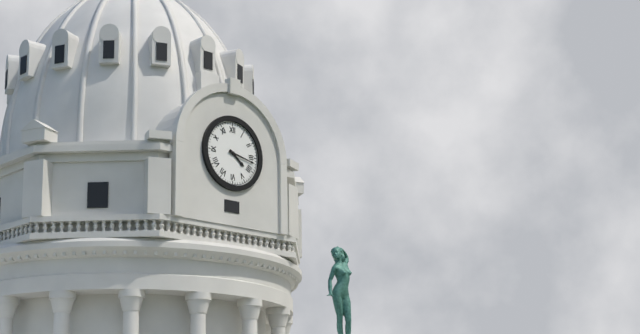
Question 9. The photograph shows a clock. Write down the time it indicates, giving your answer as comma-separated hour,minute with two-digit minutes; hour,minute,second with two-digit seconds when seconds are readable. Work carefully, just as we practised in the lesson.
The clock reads 4,17
